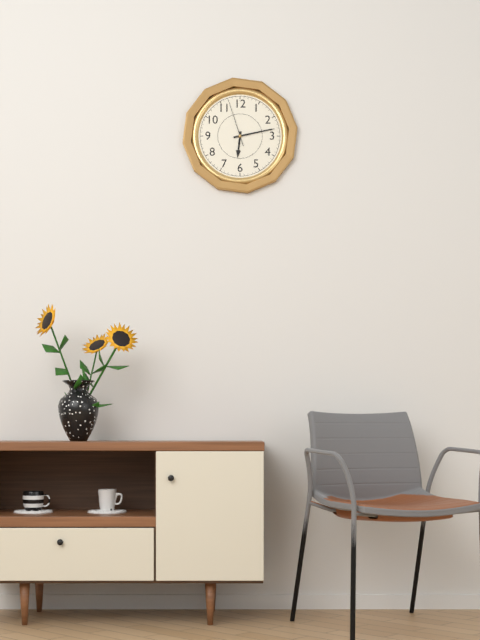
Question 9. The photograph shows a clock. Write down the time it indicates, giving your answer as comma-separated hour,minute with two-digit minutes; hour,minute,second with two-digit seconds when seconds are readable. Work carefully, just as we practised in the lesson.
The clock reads 6,13
